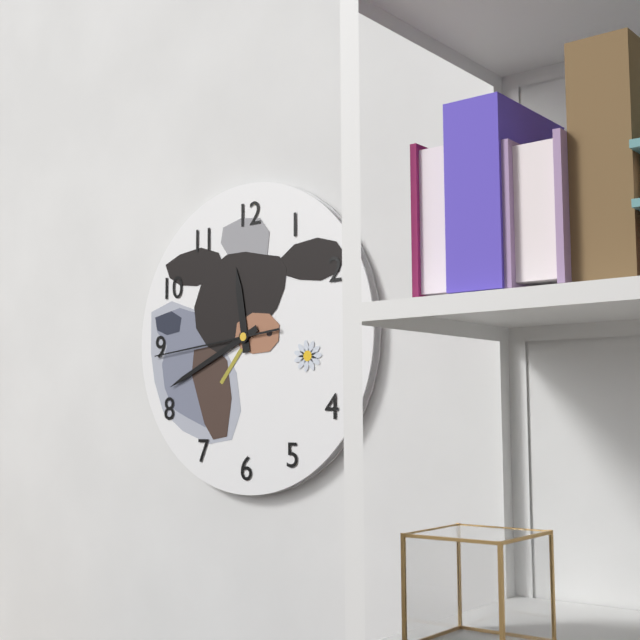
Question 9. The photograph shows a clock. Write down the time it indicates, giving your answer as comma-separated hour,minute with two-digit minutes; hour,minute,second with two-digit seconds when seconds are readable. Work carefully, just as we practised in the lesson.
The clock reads 11,41,44
